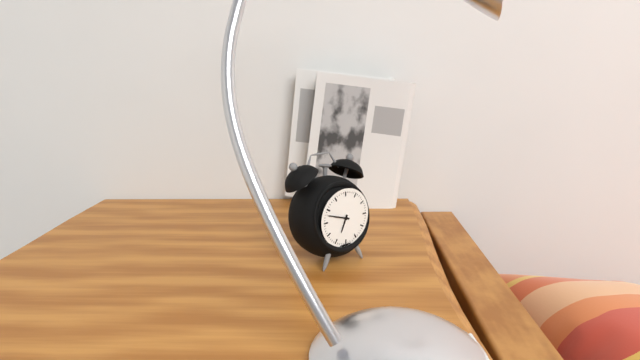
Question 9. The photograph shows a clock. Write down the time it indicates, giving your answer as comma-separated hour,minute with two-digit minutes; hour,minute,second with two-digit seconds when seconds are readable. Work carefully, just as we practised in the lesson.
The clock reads 6,48
